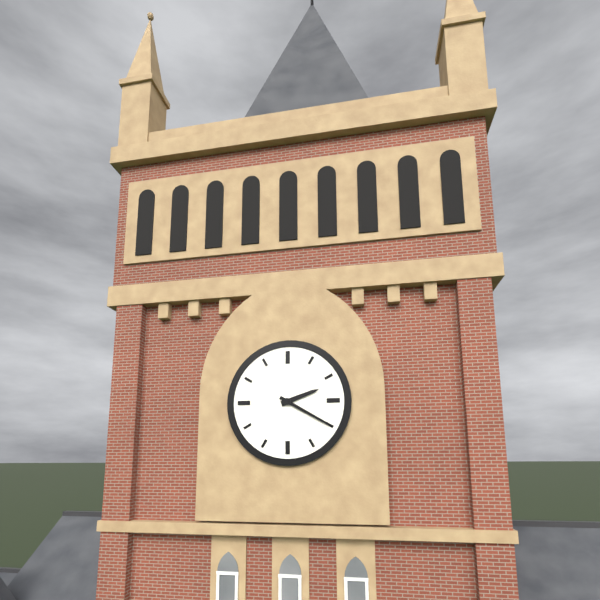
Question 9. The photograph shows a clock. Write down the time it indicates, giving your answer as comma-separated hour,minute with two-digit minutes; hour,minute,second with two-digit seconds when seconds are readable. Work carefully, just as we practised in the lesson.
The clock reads 2,20
